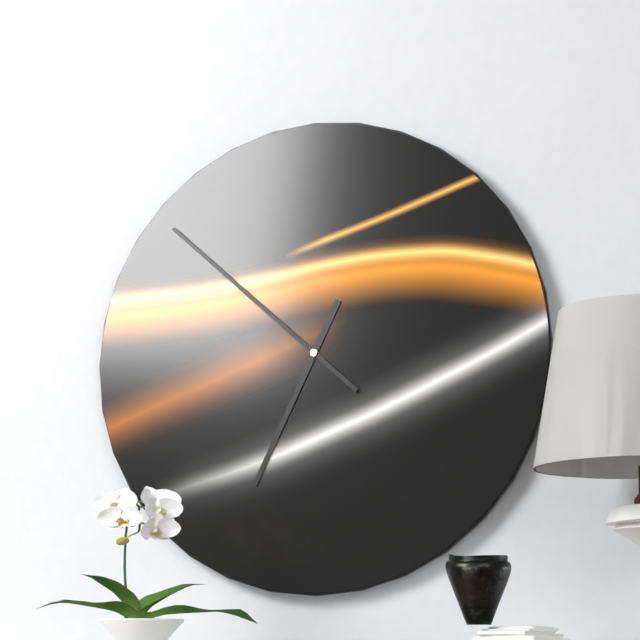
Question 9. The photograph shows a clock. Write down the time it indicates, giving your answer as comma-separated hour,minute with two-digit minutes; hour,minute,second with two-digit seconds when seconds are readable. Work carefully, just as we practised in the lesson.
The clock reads 6,52
